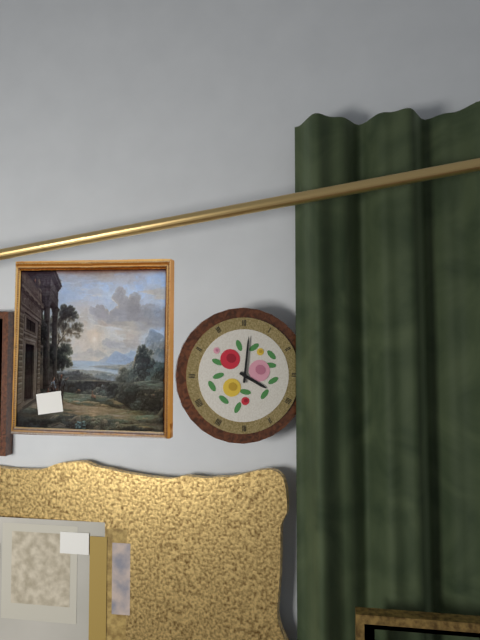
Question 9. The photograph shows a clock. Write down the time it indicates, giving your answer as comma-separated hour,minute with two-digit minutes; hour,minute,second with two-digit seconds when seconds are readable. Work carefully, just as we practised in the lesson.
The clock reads 4,01
